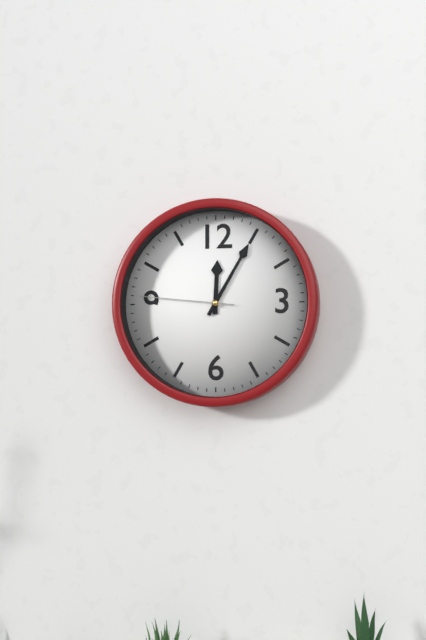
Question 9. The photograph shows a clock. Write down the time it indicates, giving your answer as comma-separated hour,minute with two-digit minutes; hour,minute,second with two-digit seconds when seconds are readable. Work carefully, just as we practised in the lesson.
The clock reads 12,05,46
